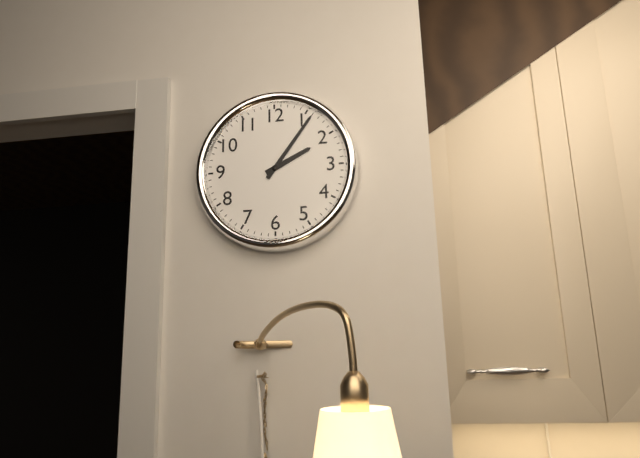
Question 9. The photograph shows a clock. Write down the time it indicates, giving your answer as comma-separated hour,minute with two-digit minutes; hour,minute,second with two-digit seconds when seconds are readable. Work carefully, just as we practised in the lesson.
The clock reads 2,06
